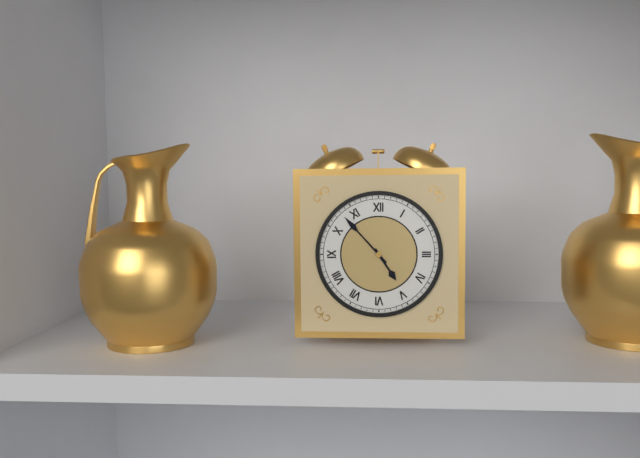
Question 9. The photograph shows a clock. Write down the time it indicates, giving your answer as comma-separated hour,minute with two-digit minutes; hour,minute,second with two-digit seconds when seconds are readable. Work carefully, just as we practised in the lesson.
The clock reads 4,53
